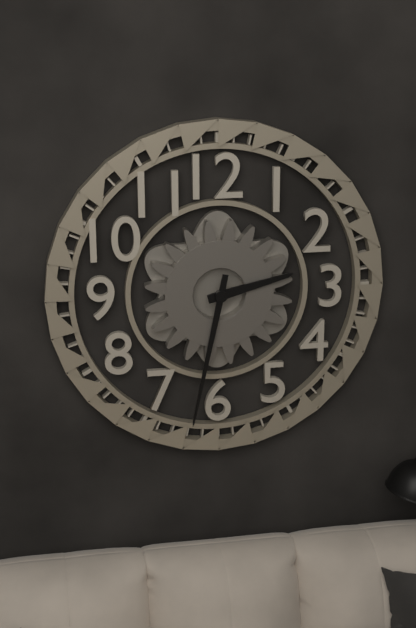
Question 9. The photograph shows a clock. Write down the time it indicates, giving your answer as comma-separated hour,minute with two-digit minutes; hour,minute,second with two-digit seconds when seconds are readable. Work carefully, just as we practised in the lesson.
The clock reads 2,32
